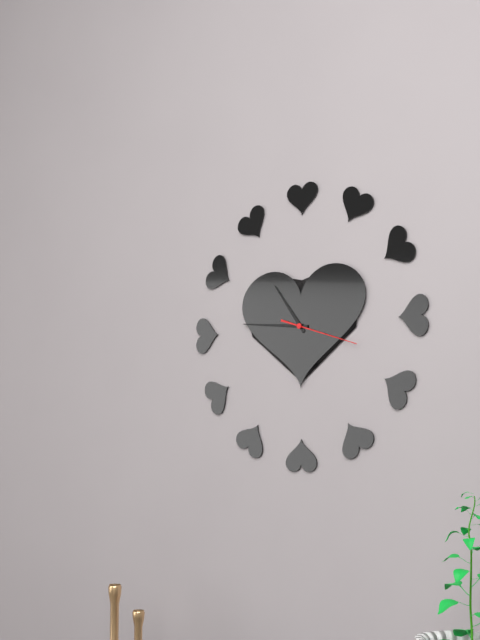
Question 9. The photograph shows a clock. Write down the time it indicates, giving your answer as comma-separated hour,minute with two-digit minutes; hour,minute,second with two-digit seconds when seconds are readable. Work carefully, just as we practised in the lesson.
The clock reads 10,46,18
